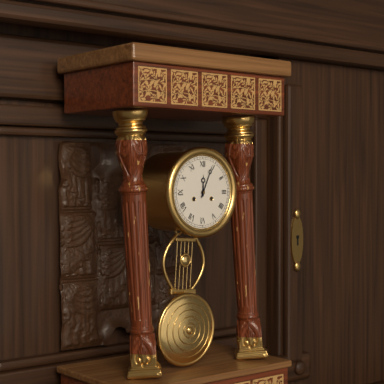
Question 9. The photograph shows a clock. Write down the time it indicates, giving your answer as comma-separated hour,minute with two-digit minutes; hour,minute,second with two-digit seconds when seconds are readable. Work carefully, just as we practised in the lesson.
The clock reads 12,04
